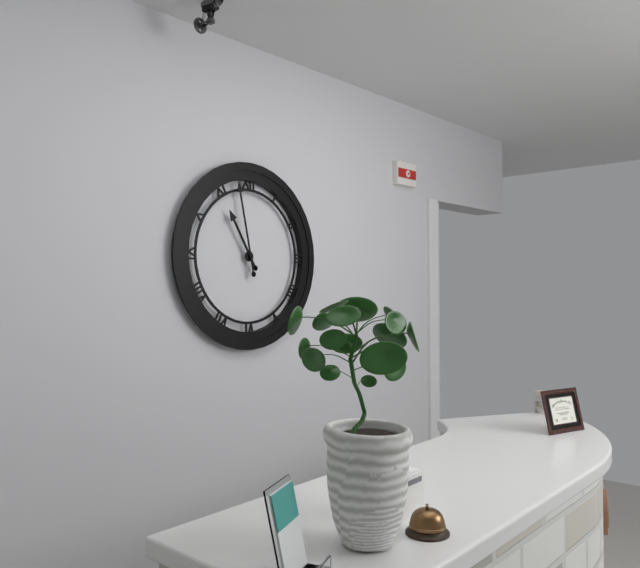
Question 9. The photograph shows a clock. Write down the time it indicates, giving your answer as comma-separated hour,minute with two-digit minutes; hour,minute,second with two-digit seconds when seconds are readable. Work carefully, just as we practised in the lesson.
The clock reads 10,58
